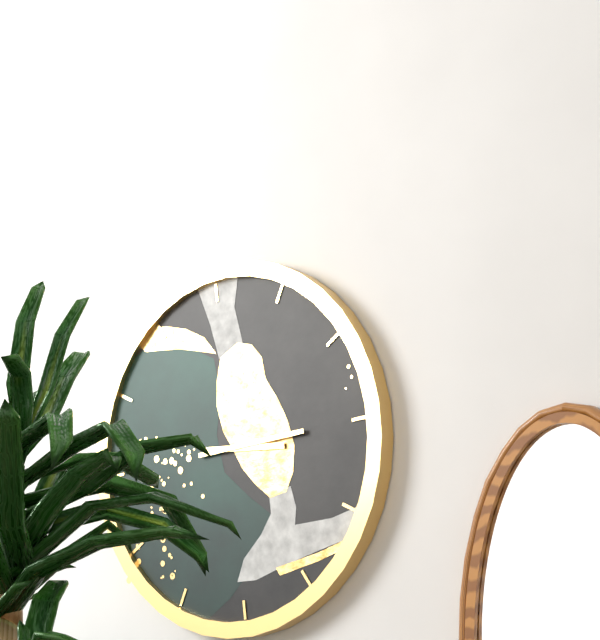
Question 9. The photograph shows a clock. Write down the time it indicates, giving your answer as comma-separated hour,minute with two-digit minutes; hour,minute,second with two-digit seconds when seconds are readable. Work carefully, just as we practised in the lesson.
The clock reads 3,15
